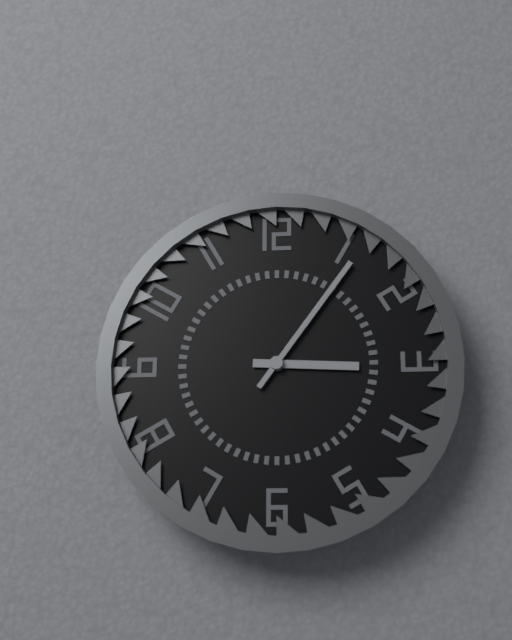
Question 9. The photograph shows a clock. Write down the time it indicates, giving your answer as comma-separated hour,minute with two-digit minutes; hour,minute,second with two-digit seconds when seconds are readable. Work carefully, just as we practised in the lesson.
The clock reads 3,06
